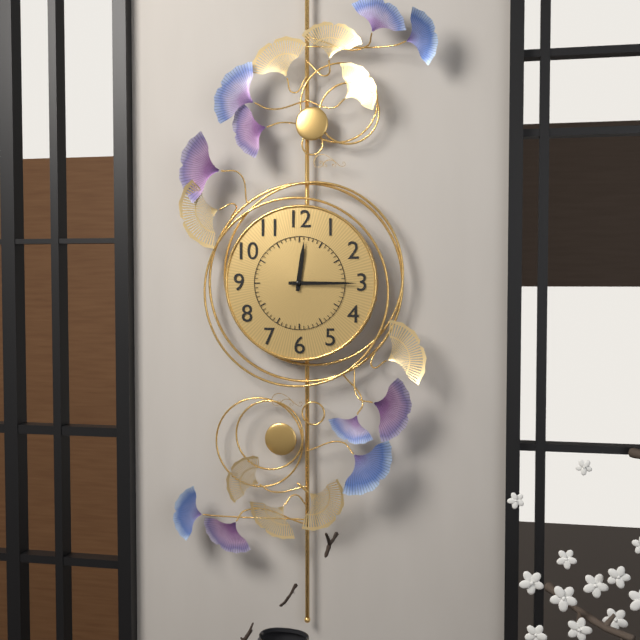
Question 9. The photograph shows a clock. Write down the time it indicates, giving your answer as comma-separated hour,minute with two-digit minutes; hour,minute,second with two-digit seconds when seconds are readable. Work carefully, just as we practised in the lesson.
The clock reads 12,15
